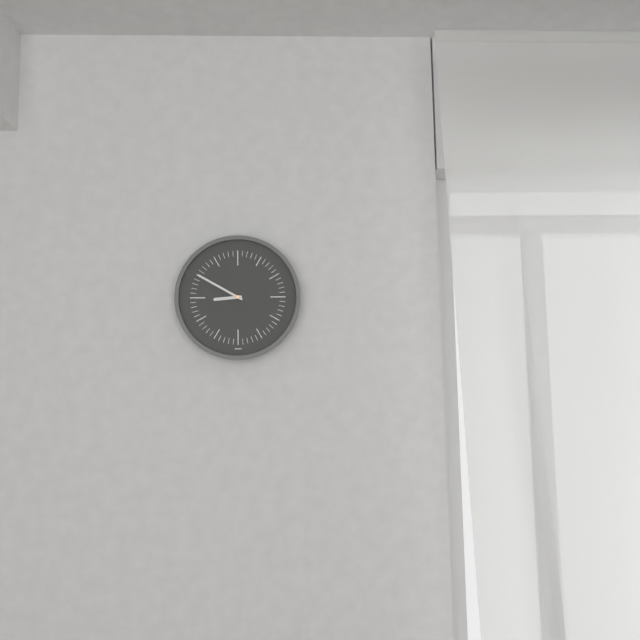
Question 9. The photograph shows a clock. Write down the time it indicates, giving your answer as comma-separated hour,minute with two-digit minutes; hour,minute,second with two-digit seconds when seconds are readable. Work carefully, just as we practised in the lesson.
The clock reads 8,50
